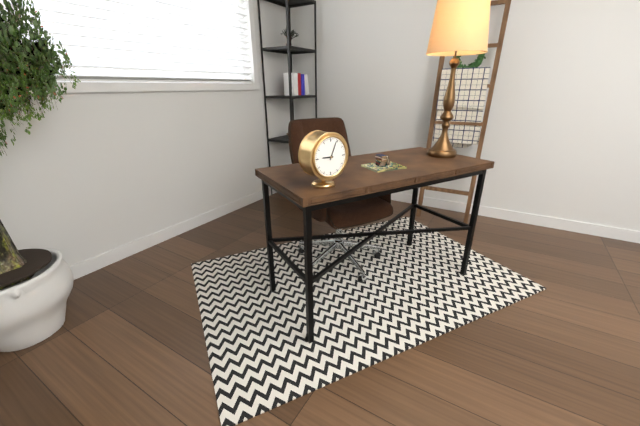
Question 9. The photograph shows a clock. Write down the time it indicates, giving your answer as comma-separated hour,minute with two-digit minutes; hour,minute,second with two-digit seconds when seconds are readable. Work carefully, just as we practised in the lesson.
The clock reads 9,04
